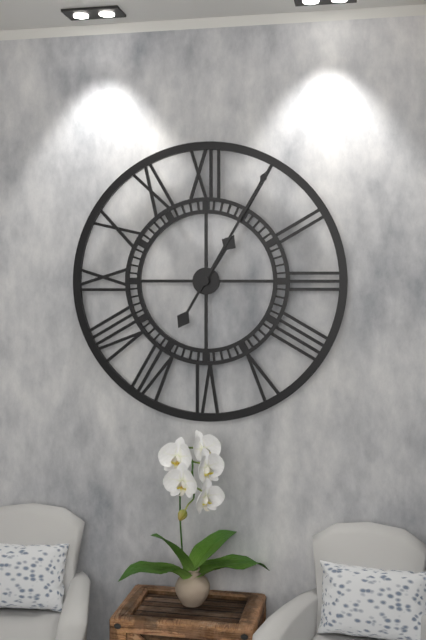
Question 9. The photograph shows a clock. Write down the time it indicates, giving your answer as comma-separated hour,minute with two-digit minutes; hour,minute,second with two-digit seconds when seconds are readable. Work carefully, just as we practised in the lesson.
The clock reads 1,05
